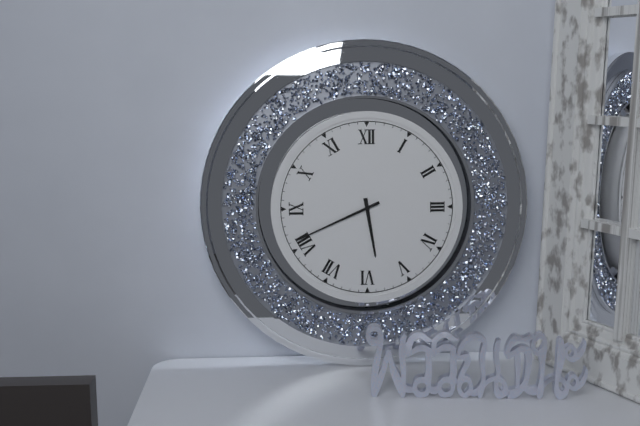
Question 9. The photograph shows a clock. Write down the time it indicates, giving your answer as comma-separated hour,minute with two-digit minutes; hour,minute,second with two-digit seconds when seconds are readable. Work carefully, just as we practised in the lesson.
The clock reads 5,41
